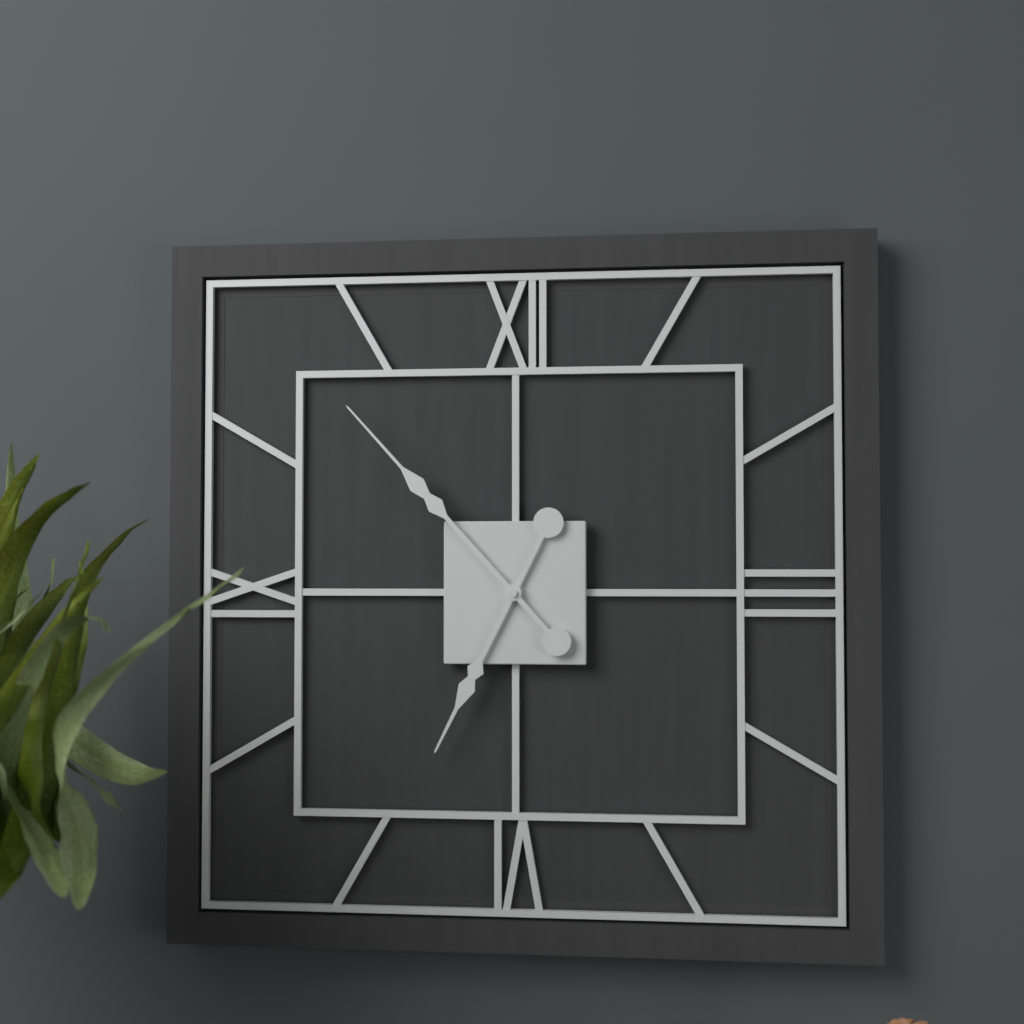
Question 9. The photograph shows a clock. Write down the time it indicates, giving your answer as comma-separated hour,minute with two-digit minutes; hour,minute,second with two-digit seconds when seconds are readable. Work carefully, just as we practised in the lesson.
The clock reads 6,53
